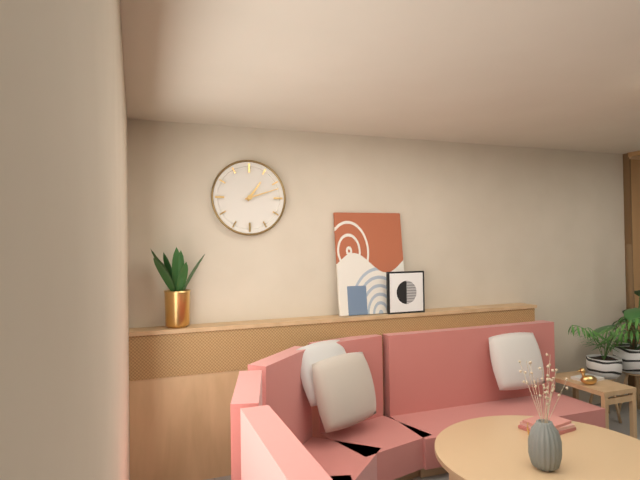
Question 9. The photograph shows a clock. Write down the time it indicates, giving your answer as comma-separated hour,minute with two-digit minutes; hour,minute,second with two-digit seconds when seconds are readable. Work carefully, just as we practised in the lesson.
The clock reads 1,12
